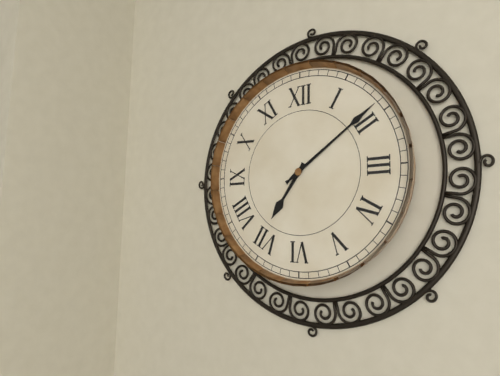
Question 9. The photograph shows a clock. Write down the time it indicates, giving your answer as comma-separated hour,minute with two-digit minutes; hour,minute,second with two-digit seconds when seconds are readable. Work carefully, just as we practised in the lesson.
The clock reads 7,09
